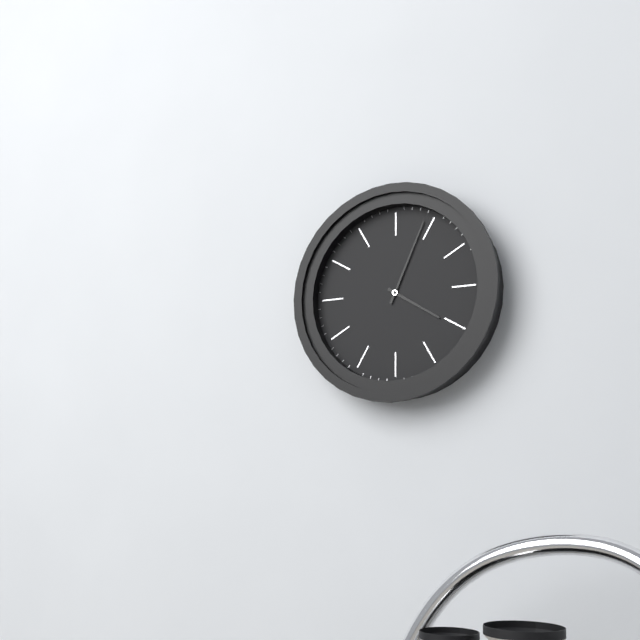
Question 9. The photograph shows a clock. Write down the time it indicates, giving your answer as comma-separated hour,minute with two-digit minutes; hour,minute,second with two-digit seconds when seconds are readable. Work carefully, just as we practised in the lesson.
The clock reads 4,04
